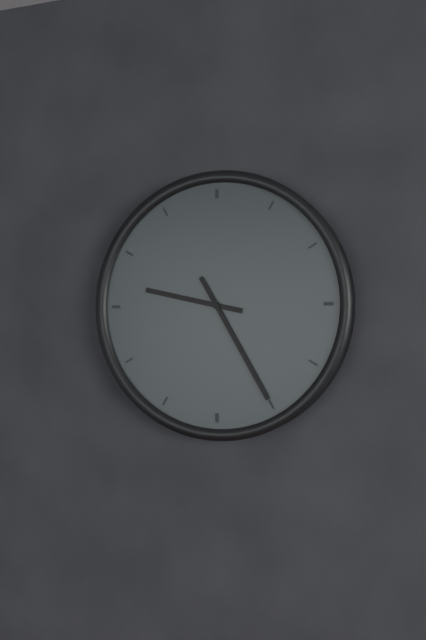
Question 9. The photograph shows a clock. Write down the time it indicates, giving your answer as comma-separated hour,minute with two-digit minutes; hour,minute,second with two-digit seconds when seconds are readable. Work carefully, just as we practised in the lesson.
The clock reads 9,25
